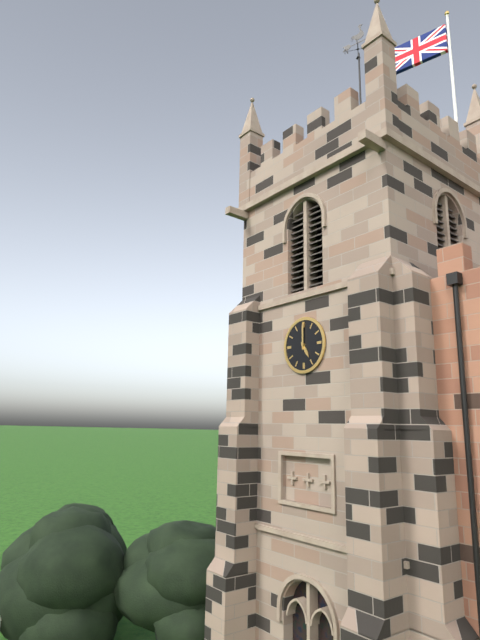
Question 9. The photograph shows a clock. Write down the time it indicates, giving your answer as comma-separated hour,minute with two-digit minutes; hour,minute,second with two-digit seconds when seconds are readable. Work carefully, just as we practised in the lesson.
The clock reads 5,00
